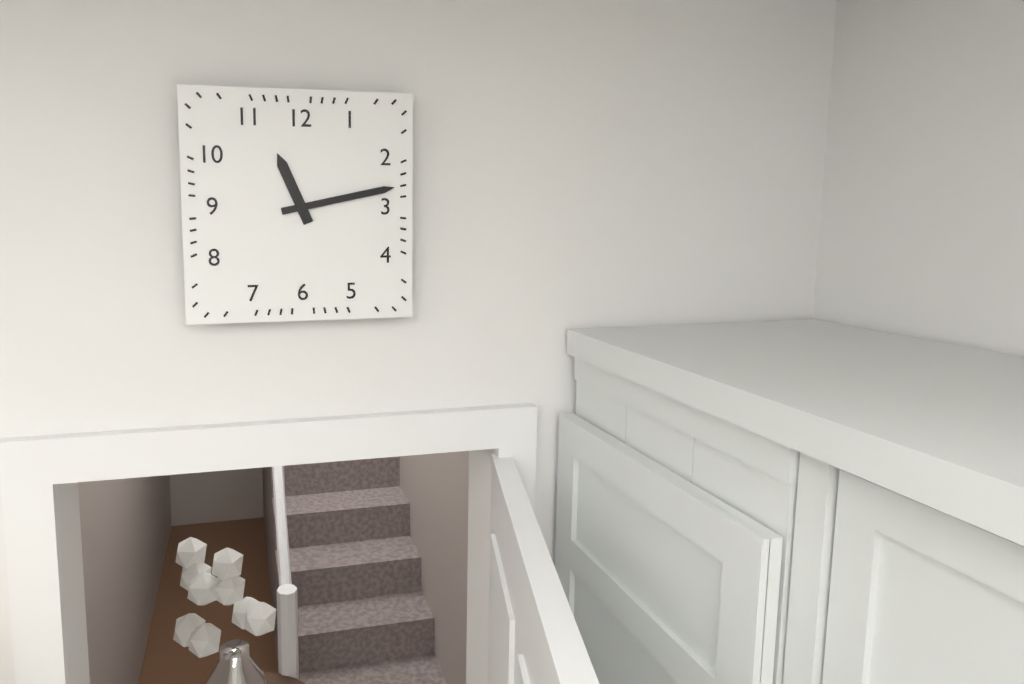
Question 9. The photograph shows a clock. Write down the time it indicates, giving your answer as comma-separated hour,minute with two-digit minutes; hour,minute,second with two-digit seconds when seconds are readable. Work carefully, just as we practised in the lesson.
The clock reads 11,13
